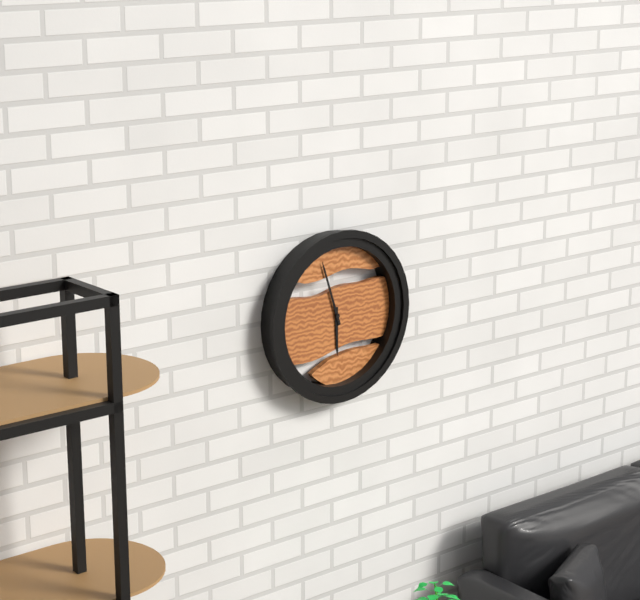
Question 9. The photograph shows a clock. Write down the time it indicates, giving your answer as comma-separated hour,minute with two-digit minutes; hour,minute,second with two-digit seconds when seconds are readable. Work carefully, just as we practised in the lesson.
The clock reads 5,57
